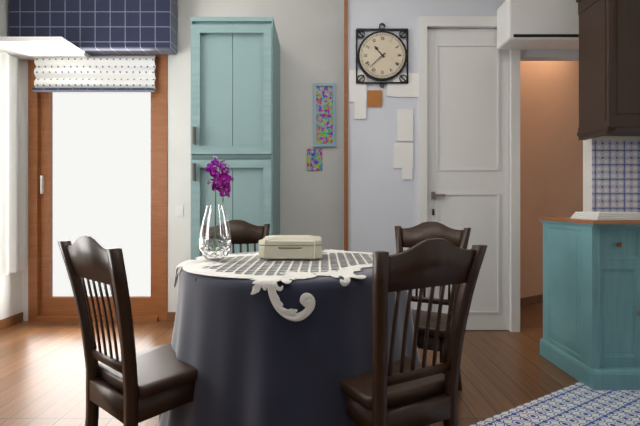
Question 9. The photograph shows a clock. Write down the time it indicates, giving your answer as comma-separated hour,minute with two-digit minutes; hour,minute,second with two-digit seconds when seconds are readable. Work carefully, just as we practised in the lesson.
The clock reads 10,38
